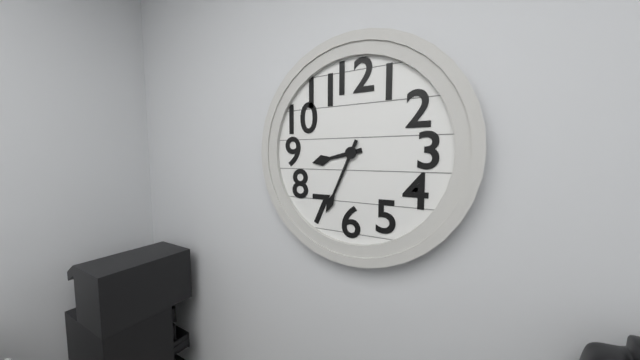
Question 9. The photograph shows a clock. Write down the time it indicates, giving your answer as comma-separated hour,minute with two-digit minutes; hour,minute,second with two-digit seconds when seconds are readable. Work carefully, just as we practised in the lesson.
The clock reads 8,34
